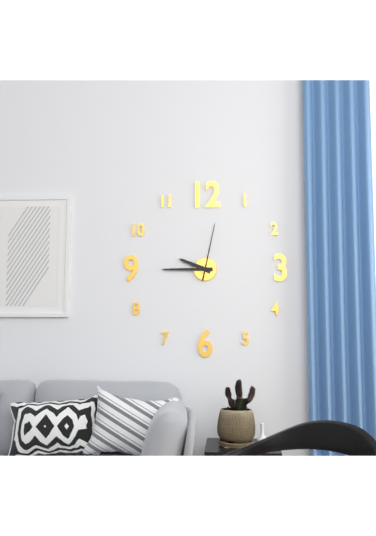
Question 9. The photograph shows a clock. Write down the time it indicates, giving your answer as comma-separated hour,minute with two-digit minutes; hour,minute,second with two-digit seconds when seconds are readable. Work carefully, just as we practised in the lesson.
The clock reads 9,45,02
